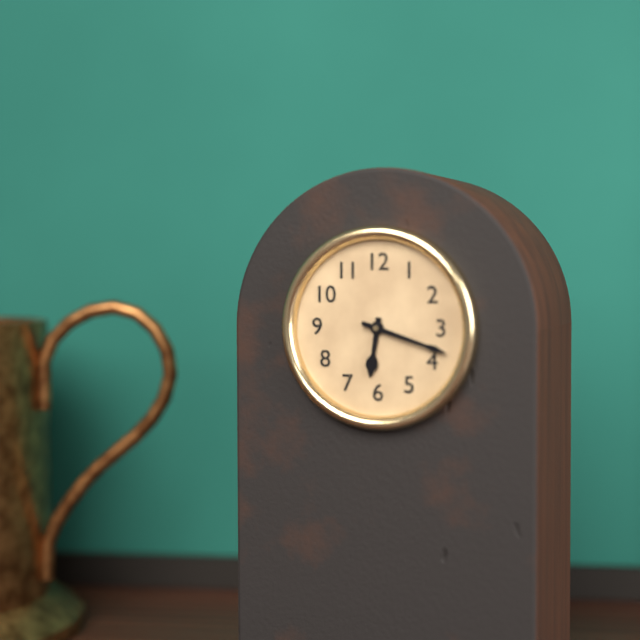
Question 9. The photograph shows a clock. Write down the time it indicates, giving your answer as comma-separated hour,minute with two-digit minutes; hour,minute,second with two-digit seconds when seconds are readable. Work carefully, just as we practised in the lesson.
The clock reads 6,18
